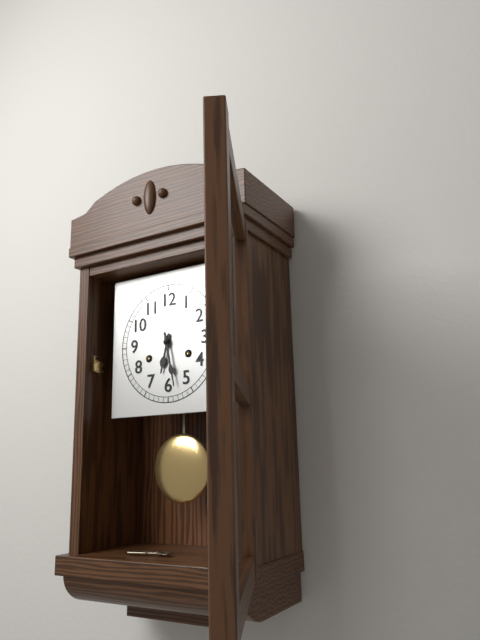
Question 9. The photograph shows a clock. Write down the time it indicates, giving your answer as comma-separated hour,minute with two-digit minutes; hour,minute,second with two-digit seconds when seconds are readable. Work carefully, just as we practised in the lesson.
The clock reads 6,28
